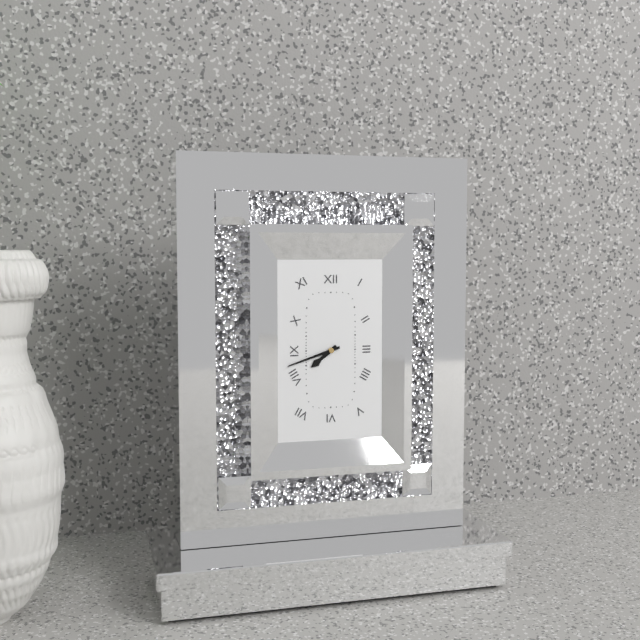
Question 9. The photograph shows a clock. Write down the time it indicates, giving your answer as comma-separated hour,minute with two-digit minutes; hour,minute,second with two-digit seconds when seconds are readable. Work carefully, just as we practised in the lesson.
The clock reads 7,42
